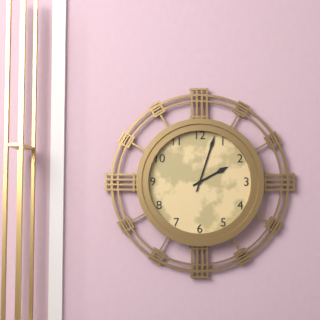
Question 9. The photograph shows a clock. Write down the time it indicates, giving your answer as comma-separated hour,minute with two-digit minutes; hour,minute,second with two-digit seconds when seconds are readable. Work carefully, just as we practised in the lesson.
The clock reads 2,03
